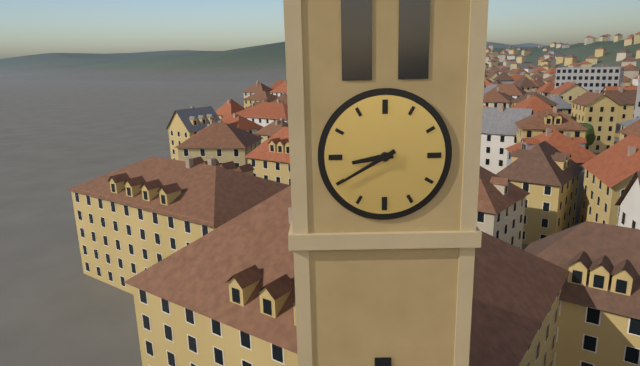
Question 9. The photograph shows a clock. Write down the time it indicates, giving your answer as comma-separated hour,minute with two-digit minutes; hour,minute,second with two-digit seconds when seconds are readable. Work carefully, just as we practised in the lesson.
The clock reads 8,40
